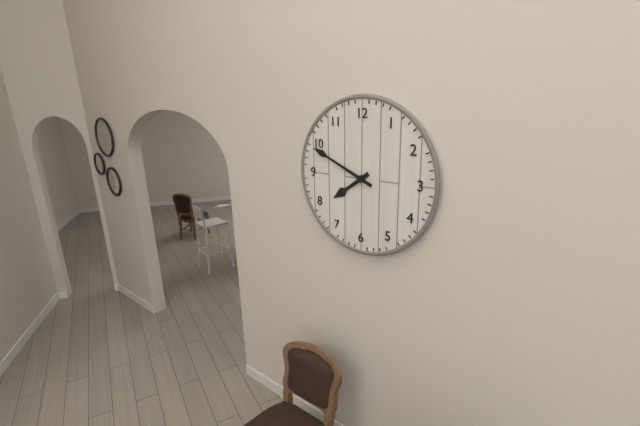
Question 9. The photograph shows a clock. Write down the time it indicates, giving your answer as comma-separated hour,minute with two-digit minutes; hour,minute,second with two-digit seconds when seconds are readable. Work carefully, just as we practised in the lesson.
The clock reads 7,49
